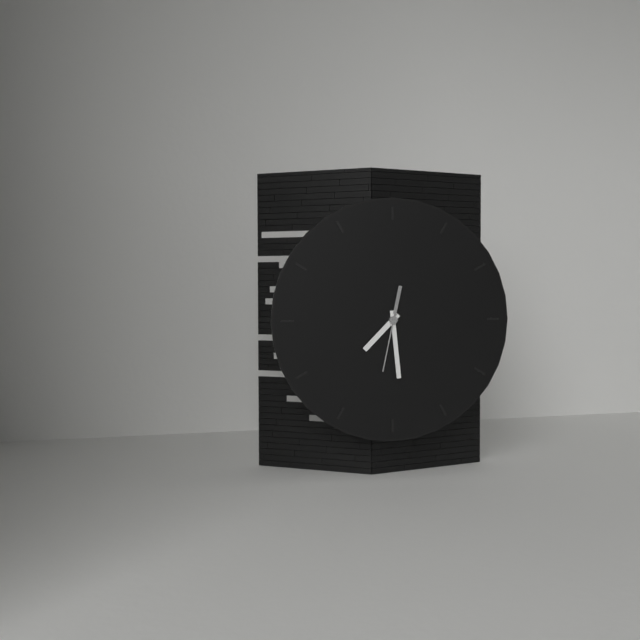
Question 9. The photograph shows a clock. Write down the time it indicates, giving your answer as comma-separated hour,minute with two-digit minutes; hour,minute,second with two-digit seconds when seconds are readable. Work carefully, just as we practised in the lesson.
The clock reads 7,29,32
